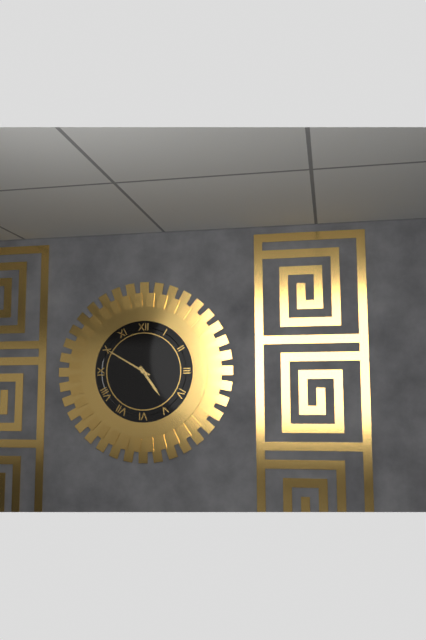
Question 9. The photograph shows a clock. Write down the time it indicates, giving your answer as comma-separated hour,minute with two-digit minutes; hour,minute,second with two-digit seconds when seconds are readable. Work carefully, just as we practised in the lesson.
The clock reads 4,50
